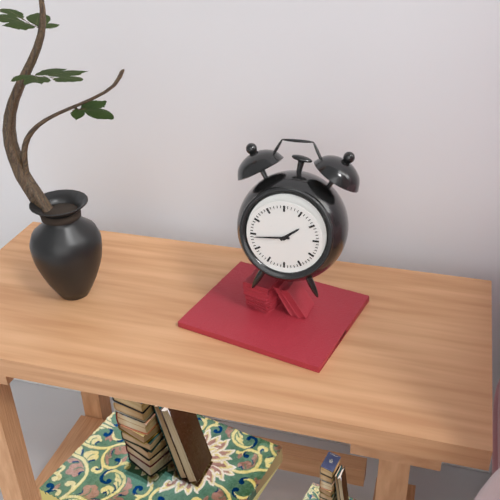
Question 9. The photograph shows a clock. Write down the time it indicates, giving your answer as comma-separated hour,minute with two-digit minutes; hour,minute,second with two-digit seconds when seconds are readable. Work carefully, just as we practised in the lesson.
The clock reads 1,44
